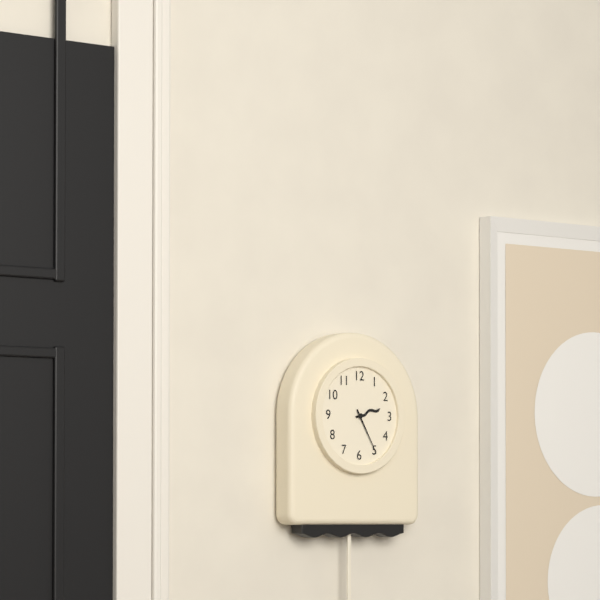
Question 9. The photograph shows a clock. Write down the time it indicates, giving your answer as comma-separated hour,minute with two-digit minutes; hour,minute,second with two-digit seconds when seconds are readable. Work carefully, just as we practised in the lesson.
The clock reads 2,25
